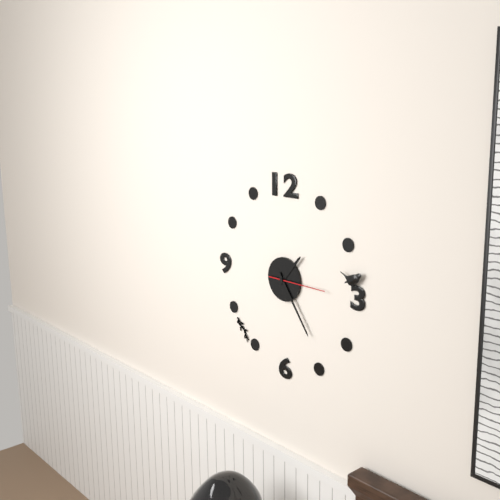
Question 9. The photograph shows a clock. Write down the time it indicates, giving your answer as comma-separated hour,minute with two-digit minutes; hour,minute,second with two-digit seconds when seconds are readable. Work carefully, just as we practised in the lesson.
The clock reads 1,24,15
